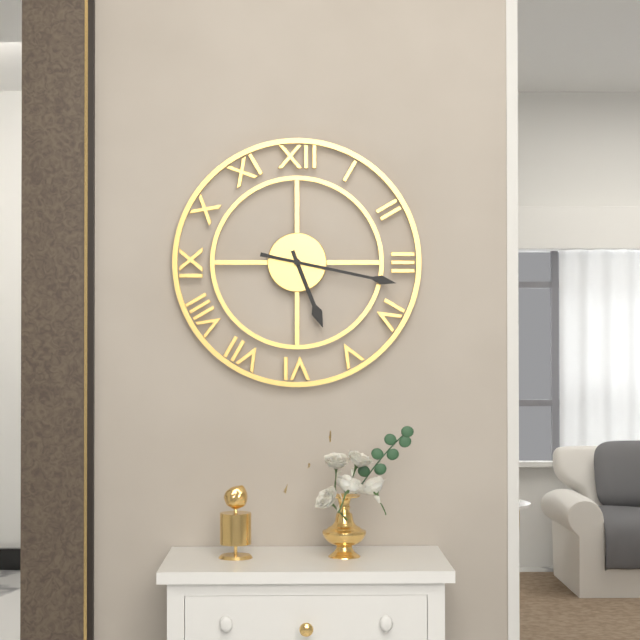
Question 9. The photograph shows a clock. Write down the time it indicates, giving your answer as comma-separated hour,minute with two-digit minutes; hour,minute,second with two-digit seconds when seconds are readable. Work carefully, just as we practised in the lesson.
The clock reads 5,17
